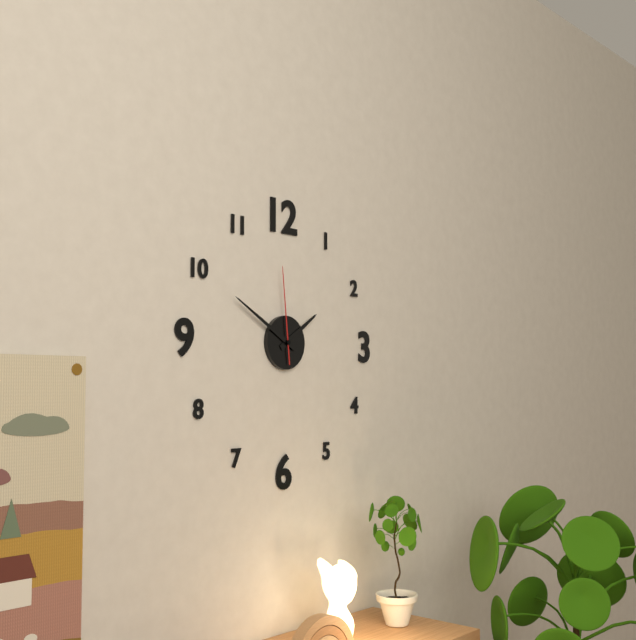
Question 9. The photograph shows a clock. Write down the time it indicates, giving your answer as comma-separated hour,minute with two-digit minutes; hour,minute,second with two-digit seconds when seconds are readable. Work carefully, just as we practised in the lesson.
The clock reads 1,50,59
